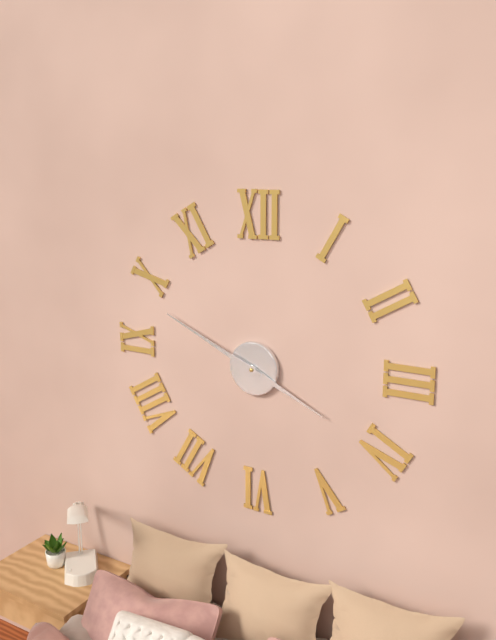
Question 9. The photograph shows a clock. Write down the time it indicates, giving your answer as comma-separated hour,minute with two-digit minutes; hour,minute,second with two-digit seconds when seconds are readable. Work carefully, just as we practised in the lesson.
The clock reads 3,49
